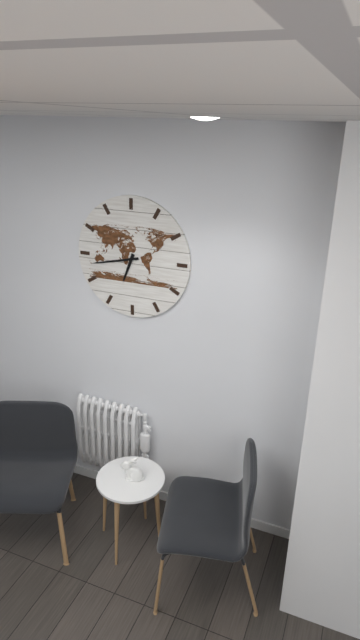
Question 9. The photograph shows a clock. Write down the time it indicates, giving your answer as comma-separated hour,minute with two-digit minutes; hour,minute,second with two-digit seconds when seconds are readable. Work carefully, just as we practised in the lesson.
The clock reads 6,43
